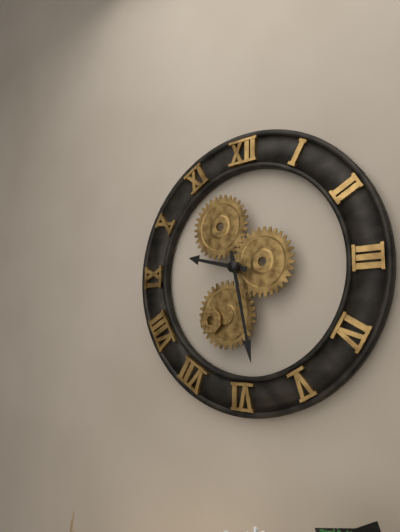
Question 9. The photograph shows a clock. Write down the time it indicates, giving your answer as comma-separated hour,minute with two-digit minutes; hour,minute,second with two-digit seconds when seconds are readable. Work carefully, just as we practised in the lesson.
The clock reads 9,28
